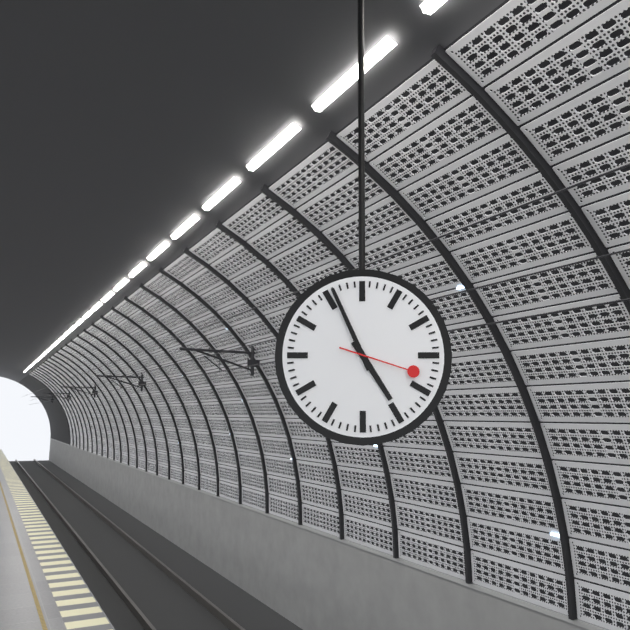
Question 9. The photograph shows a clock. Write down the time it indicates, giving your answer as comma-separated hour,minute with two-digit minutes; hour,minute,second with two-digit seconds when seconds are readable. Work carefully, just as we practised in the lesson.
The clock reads 4,56,18
